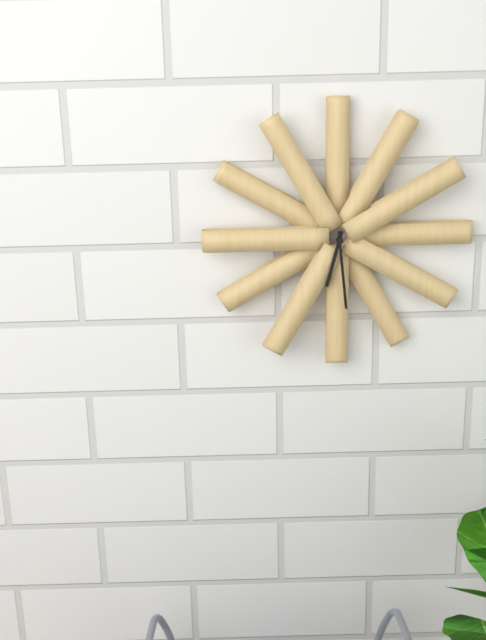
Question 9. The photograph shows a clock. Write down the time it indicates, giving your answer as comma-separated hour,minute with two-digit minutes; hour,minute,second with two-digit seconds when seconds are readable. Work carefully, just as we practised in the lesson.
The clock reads 6,29
